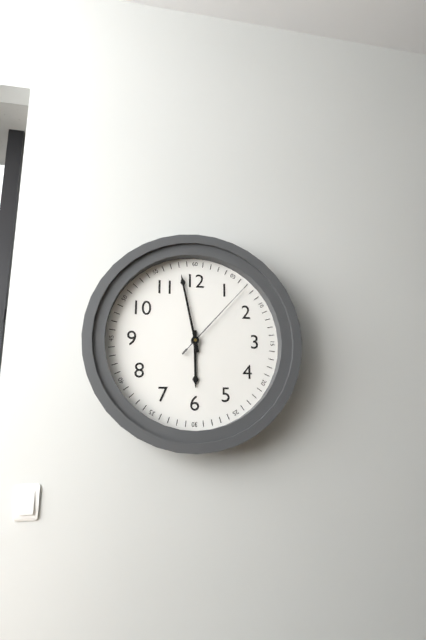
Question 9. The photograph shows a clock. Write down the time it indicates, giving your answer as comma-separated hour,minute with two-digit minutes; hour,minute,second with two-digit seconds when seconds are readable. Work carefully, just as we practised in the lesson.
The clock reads 5,58,07
